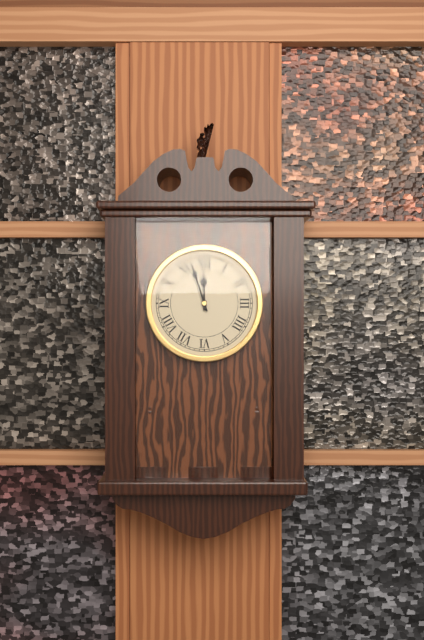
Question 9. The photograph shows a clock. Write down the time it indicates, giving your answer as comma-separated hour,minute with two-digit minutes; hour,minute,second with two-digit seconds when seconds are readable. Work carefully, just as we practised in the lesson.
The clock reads 11,57
